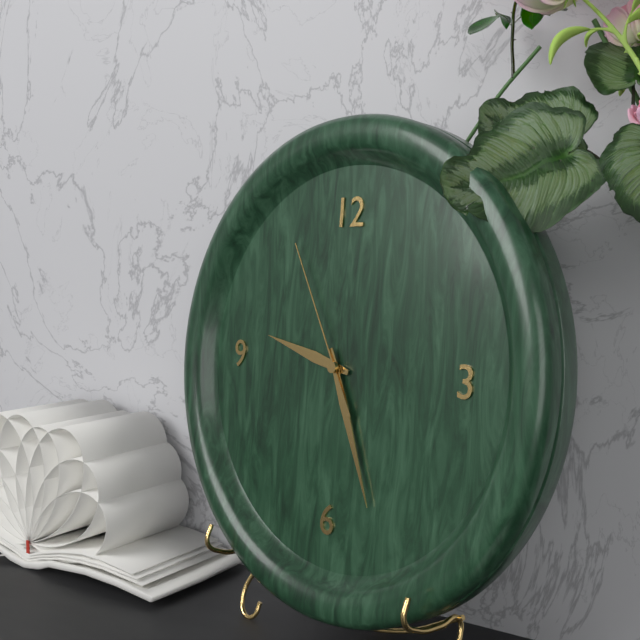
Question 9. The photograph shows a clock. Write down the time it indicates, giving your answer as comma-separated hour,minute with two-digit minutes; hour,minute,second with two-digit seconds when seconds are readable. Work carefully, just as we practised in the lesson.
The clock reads 9,26,55
